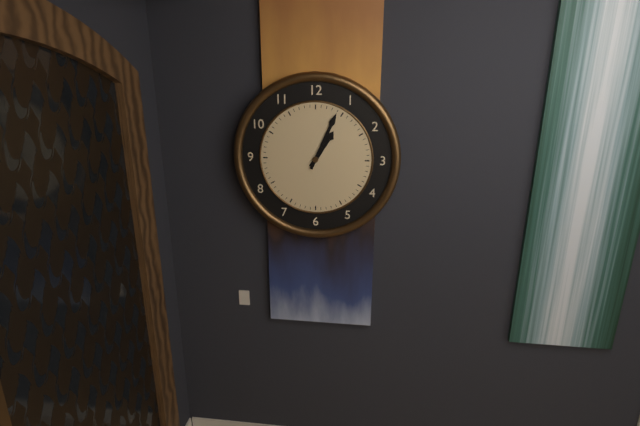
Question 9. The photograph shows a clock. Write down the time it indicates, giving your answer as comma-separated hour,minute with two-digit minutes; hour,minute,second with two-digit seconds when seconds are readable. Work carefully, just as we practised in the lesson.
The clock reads 1,04
